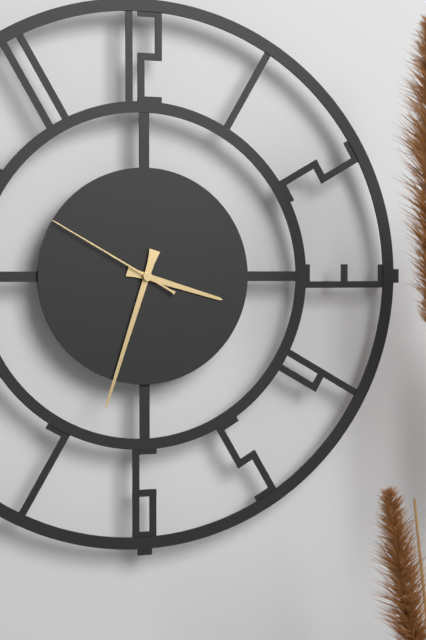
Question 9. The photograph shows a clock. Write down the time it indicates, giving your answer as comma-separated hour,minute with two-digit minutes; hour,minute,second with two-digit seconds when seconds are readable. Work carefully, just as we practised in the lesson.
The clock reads 3,33,50
